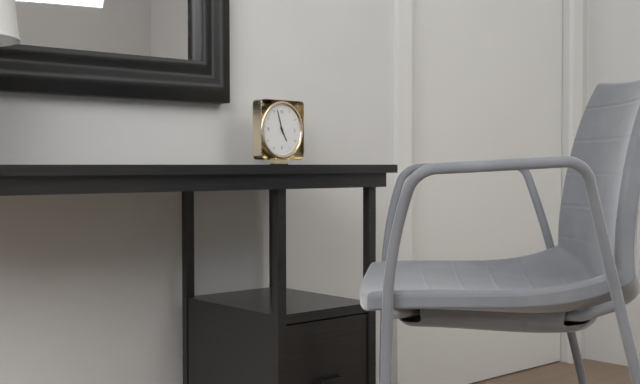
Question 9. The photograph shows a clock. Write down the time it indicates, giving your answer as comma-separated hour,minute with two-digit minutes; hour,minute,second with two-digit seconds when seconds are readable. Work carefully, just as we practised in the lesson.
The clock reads 4,57
